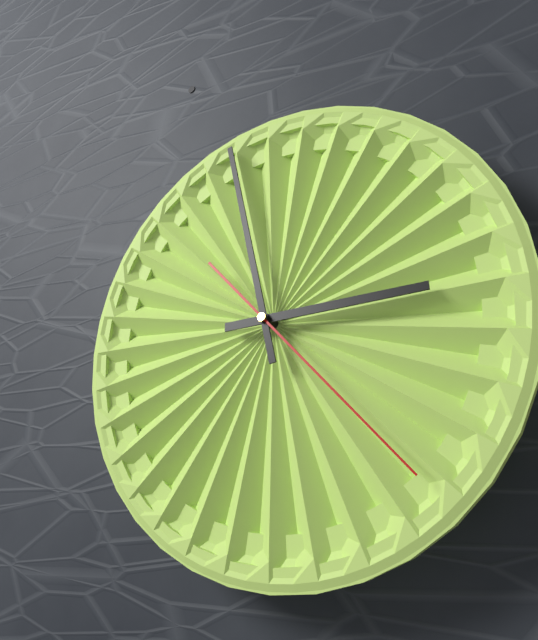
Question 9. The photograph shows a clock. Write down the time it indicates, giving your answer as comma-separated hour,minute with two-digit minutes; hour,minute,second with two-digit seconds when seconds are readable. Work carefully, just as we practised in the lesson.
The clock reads 2,58,23
